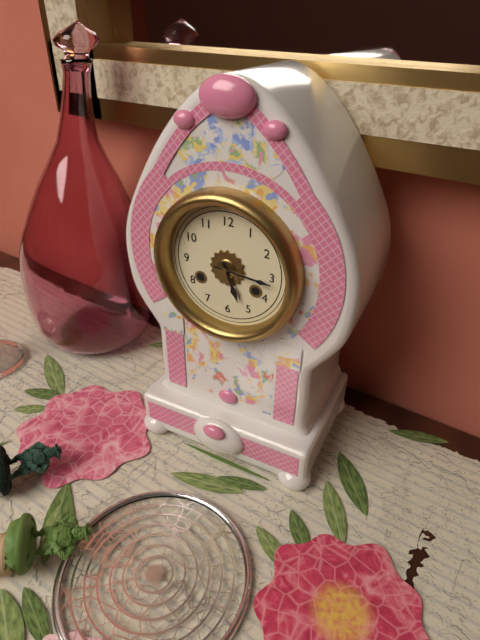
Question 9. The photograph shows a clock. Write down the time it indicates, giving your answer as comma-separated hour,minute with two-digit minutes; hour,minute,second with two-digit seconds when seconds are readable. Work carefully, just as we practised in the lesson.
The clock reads 5,16
